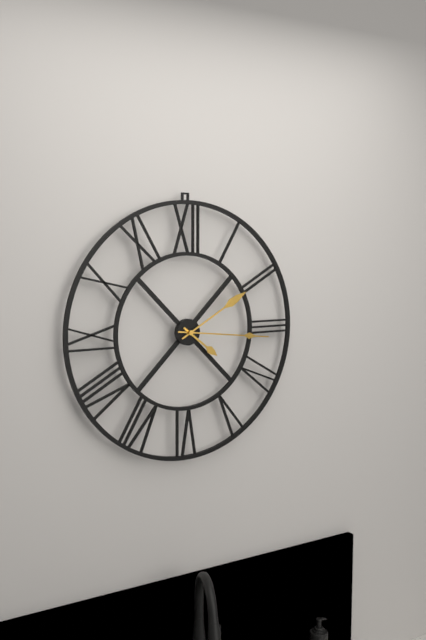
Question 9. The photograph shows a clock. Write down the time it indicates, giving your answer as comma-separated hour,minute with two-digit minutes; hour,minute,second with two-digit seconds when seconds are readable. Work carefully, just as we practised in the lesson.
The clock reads 4,16,10
